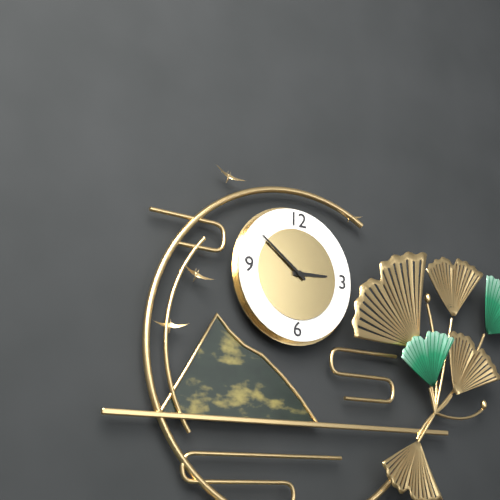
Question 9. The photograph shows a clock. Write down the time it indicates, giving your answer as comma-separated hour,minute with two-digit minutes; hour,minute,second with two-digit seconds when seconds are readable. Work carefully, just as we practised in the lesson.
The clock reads 2,51
